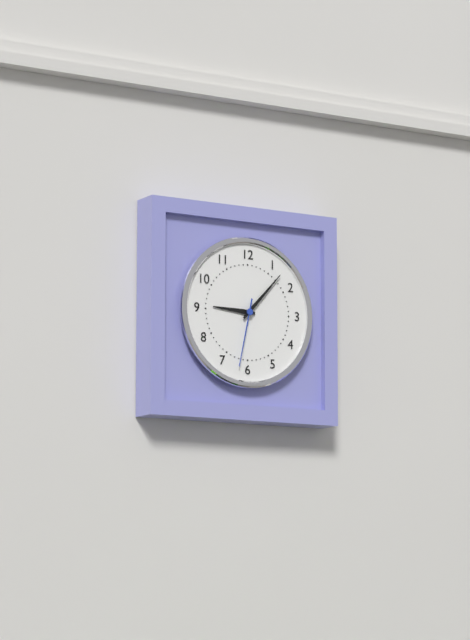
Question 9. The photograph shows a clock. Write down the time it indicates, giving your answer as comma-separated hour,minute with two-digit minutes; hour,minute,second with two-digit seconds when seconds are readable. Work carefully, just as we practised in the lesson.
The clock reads 9,07,32
